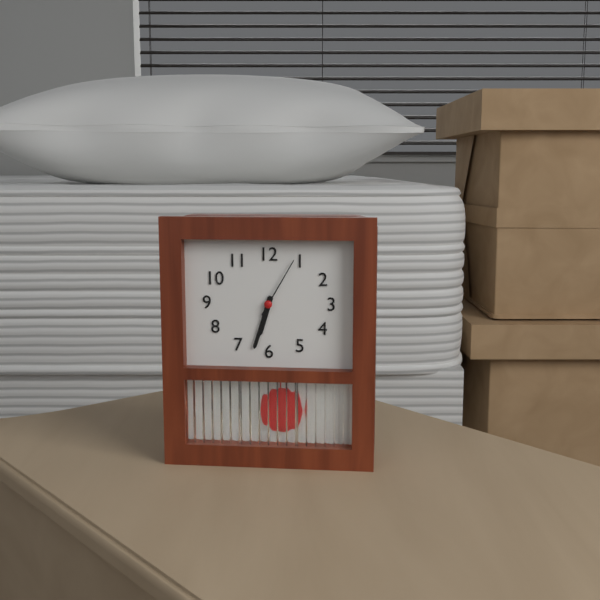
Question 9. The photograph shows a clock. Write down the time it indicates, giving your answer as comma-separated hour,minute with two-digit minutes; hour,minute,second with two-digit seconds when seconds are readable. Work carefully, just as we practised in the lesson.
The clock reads 6,33,05
